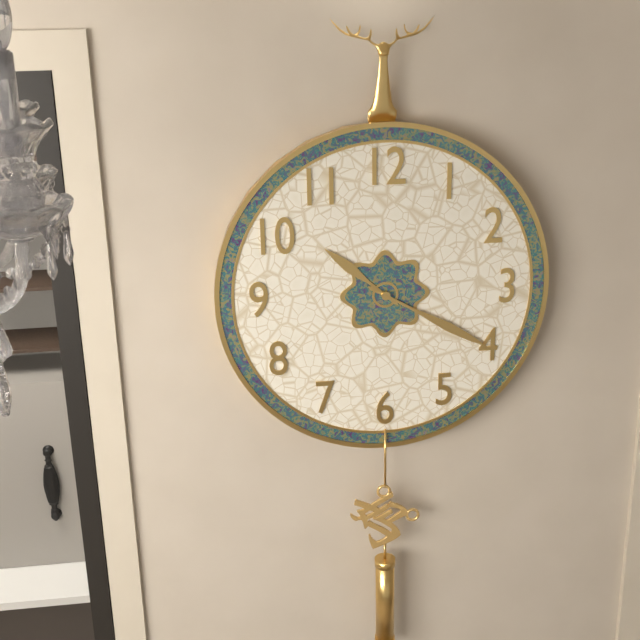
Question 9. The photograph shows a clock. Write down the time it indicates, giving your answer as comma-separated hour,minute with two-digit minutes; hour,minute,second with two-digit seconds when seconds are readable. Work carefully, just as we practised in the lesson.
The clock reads 10,20
